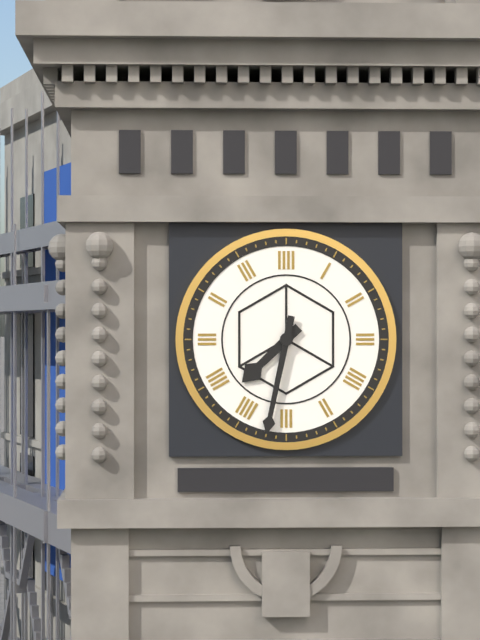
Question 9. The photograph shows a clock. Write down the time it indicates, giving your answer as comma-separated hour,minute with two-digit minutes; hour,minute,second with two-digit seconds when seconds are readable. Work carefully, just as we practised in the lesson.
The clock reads 7,32
